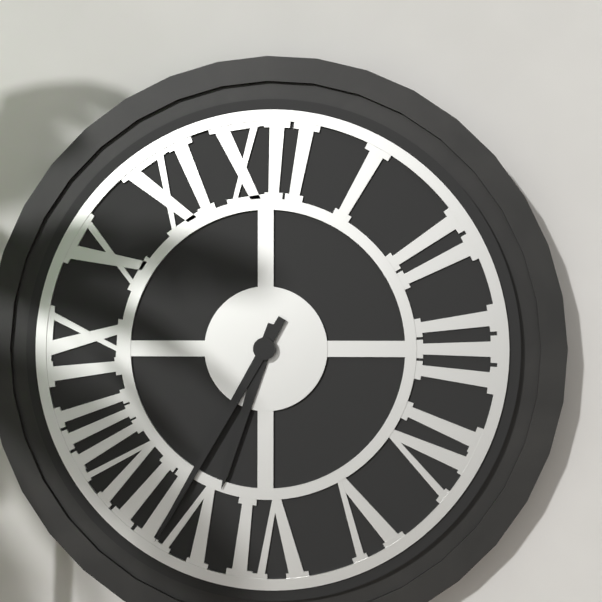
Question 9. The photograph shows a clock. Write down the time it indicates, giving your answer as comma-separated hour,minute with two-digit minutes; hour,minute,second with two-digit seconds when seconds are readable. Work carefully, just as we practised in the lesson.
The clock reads 6,35
